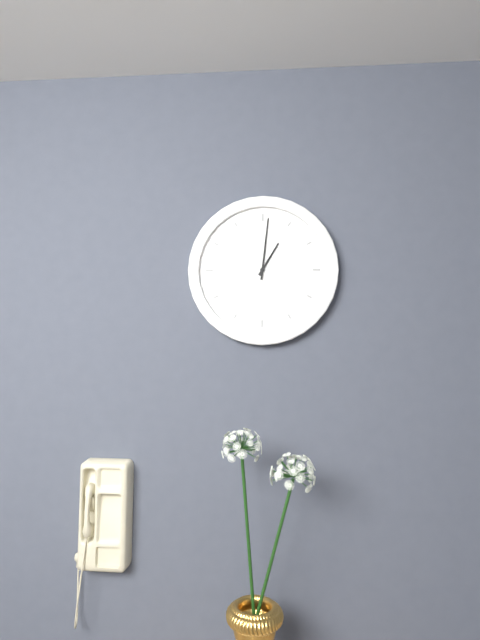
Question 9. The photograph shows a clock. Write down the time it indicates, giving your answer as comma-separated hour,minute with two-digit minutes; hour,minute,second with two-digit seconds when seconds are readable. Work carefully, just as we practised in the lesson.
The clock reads 1,01
